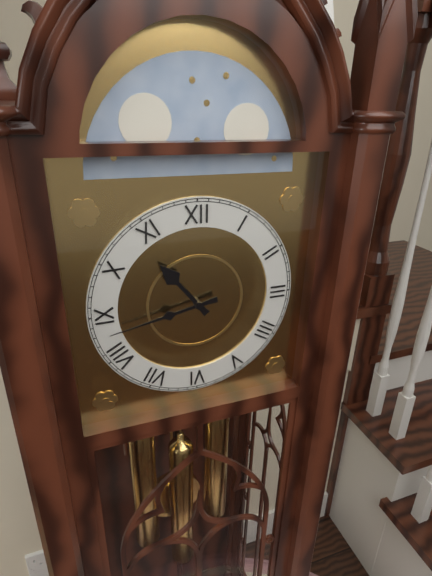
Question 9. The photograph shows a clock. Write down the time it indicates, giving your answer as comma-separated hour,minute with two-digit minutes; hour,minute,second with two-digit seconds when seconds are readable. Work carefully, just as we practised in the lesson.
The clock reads 10,43
